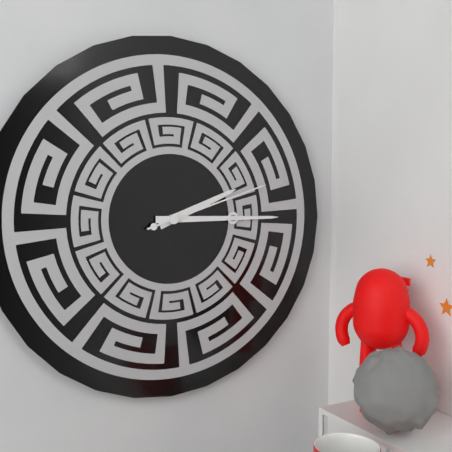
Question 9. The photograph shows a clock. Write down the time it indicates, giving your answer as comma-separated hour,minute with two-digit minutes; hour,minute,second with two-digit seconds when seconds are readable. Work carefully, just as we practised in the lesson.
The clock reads 2,15,12
